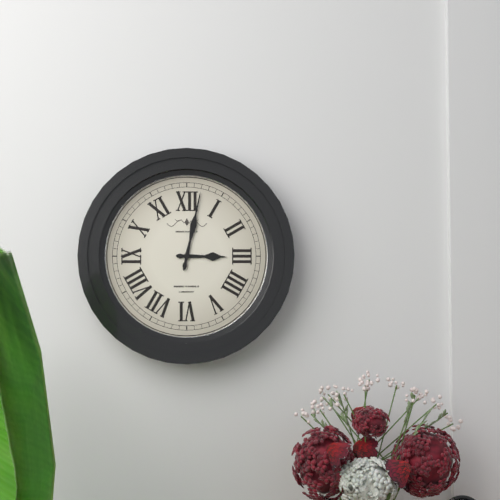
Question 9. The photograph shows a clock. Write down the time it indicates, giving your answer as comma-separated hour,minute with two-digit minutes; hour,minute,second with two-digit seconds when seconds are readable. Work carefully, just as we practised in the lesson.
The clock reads 3,02
